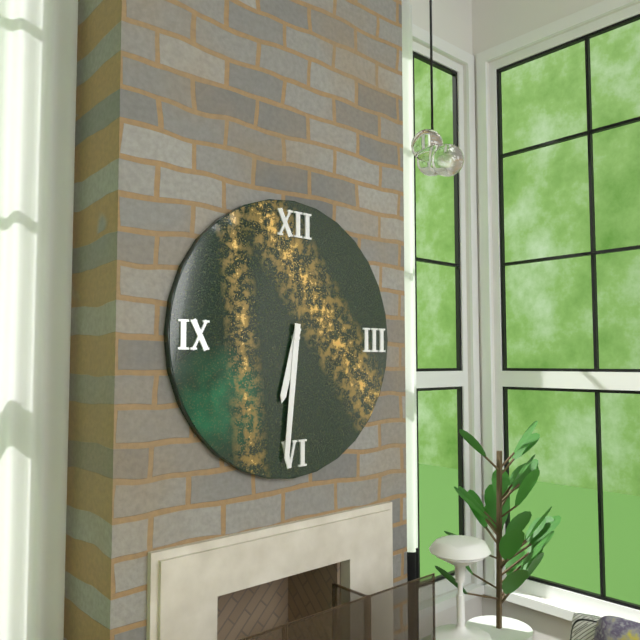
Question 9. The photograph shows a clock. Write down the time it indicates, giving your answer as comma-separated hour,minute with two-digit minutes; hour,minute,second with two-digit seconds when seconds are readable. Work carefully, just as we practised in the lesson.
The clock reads 6,31
